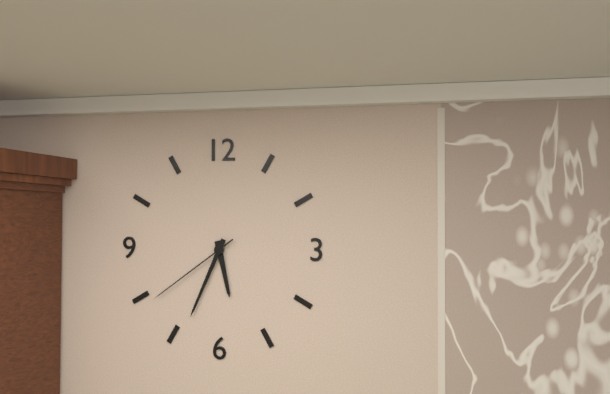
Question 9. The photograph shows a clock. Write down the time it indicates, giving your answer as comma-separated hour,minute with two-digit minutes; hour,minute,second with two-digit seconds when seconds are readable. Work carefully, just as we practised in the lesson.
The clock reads 5,34,39
